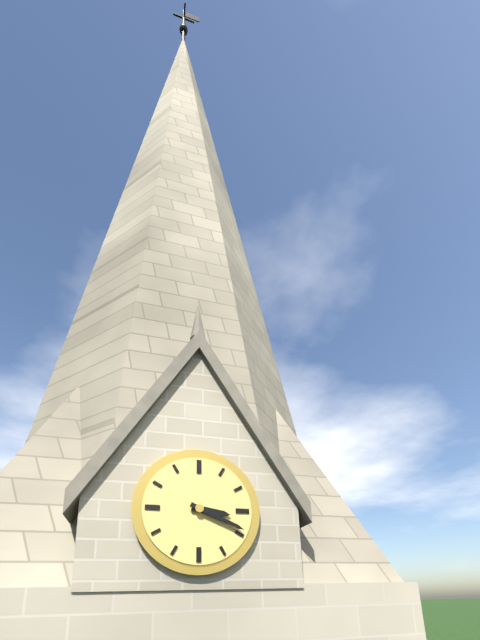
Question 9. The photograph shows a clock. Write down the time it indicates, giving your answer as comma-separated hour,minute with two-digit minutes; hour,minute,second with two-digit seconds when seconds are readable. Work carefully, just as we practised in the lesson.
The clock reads 3,19
